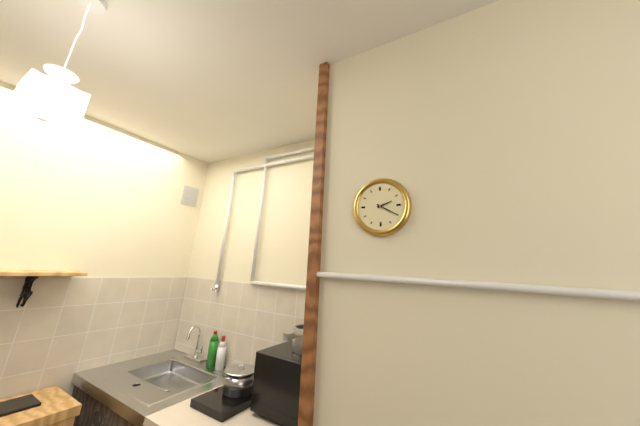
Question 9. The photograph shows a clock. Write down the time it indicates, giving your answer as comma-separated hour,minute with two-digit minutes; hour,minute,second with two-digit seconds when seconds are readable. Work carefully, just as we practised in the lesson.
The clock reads 2,20
